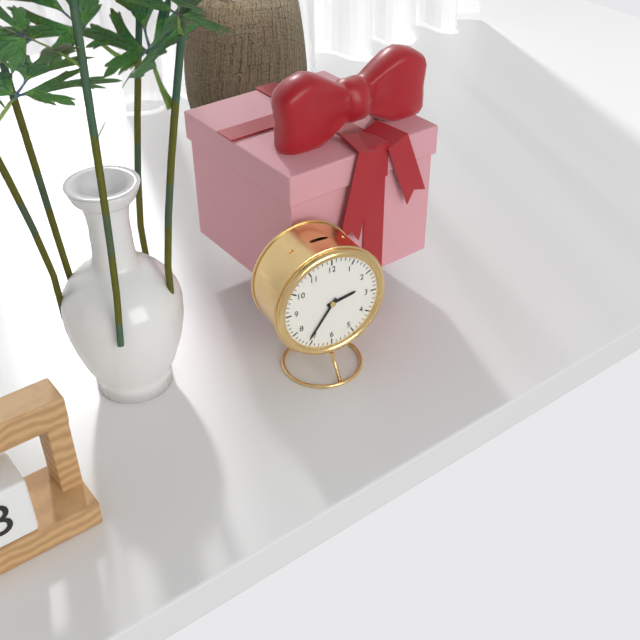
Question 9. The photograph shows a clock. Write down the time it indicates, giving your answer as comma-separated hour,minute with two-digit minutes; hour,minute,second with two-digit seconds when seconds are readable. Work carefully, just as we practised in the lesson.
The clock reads 2,36
